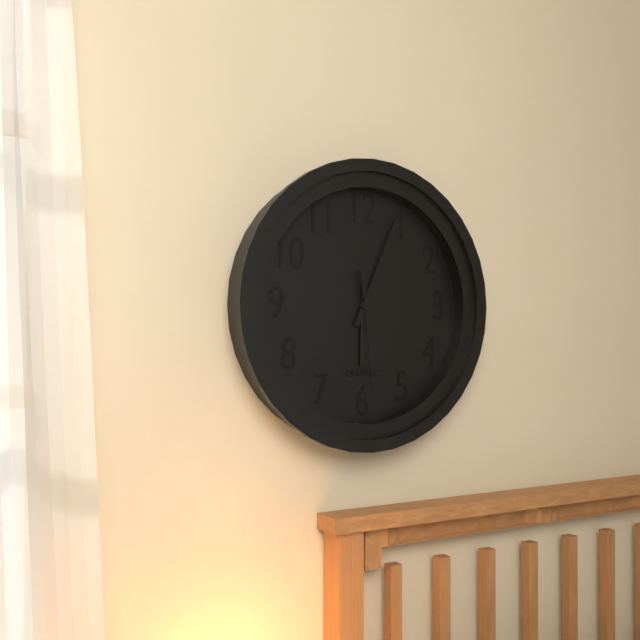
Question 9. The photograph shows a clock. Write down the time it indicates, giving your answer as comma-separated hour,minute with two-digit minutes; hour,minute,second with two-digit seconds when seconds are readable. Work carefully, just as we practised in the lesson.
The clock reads 6,04,29
